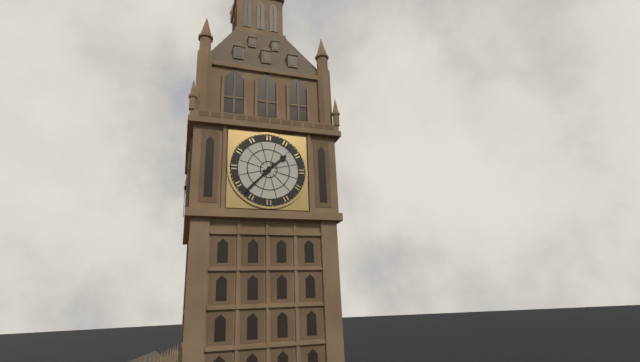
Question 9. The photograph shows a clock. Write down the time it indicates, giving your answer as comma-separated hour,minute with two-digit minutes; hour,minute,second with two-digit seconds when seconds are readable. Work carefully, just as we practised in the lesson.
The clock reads 1,37
